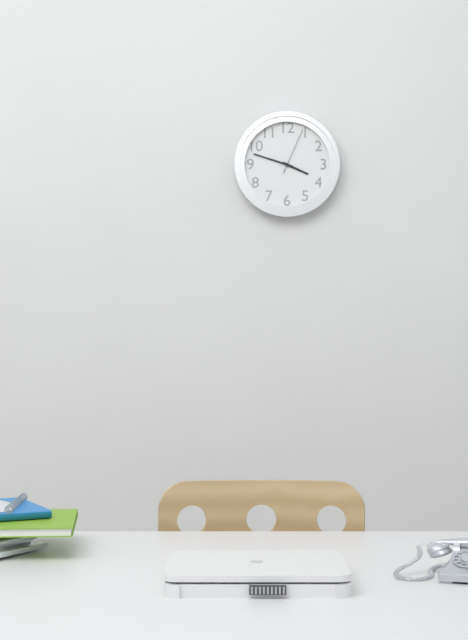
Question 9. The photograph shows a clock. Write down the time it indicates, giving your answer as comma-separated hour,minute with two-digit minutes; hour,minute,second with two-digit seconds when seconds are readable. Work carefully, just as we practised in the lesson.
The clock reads 3,48
